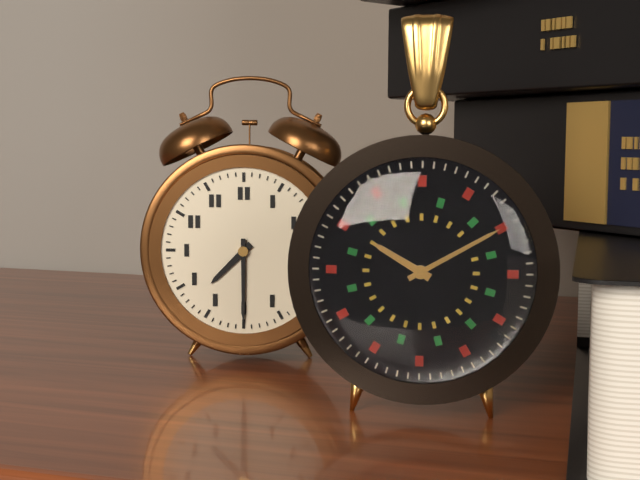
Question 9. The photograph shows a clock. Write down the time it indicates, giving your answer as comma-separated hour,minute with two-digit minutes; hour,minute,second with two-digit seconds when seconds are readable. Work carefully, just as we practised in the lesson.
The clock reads 7,30
